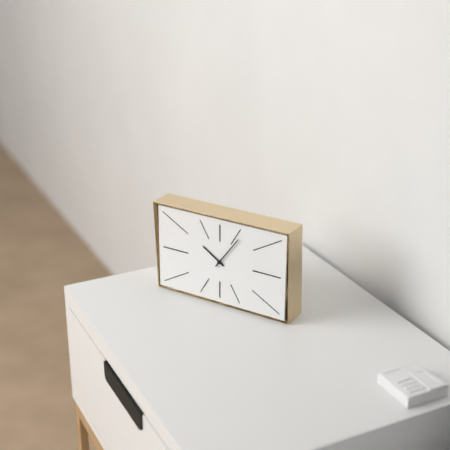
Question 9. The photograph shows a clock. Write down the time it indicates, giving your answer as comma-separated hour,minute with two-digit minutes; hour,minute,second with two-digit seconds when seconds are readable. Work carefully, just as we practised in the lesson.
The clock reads 10,06
